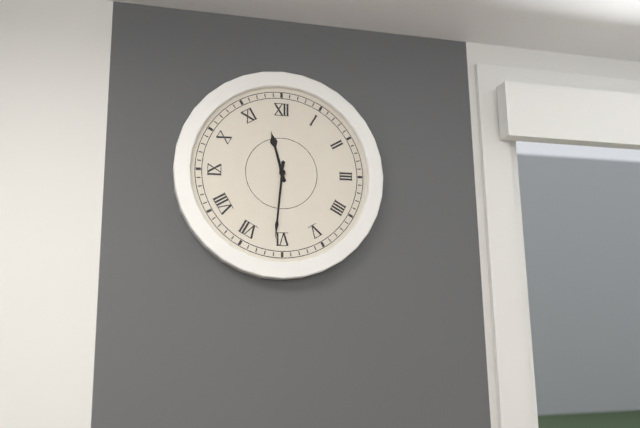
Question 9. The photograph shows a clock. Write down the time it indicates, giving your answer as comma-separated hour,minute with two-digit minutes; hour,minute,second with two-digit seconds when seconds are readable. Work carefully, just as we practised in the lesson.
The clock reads 11,31
